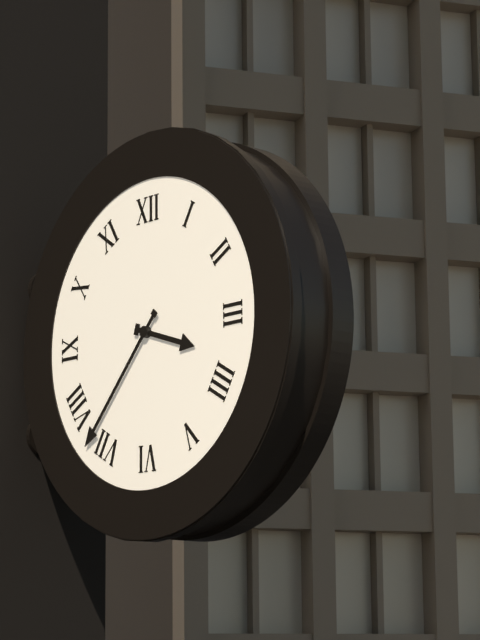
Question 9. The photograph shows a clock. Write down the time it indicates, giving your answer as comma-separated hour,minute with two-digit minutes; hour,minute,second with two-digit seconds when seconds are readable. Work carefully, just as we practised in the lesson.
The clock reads 3,37
